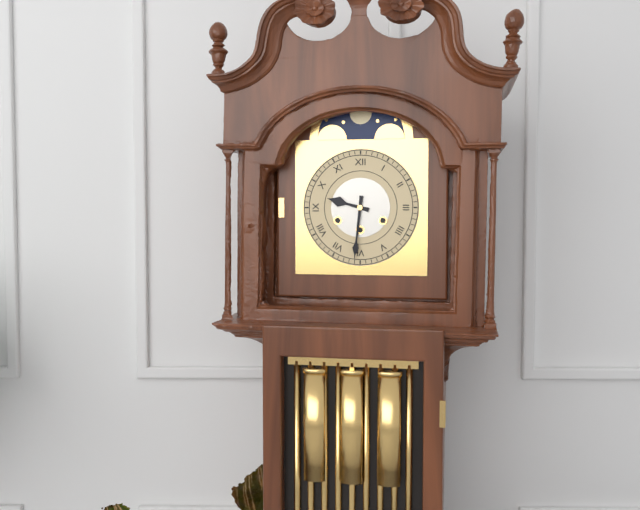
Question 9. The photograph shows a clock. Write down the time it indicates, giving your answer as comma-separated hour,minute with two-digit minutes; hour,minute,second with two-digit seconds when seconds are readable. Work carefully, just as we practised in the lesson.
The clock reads 9,31
